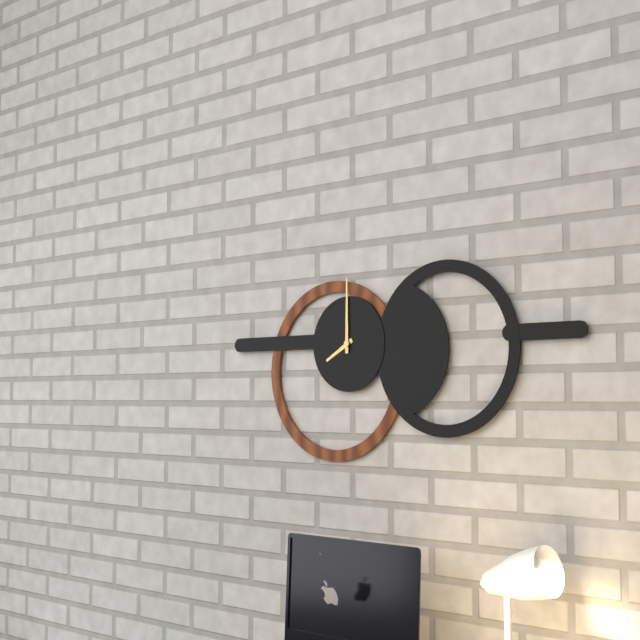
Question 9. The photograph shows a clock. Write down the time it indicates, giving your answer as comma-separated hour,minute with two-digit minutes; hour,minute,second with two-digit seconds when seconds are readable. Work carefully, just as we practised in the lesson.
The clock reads 8,00
